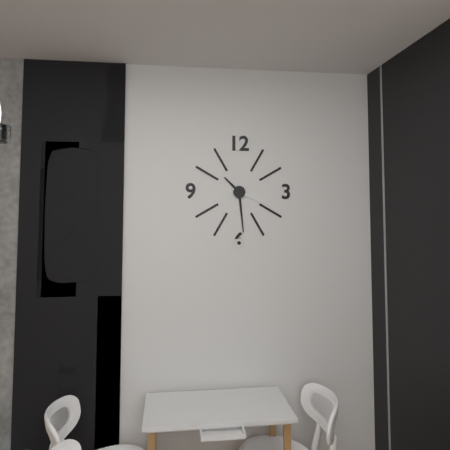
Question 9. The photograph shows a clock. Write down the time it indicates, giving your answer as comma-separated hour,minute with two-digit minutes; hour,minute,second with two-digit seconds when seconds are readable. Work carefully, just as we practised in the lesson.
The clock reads 10,29
